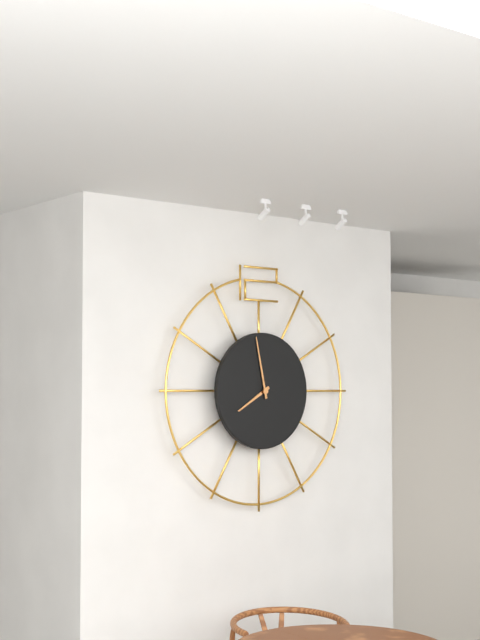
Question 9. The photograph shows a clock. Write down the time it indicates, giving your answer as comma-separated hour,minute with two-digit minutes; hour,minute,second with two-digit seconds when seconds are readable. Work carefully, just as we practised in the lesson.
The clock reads 7,58
